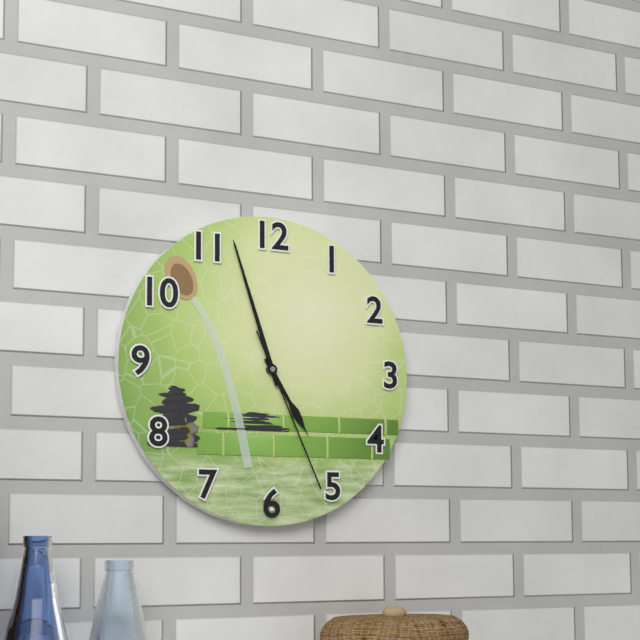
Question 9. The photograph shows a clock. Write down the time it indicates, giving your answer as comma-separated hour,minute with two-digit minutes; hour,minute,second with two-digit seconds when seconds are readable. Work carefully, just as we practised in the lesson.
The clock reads 4,57,26
